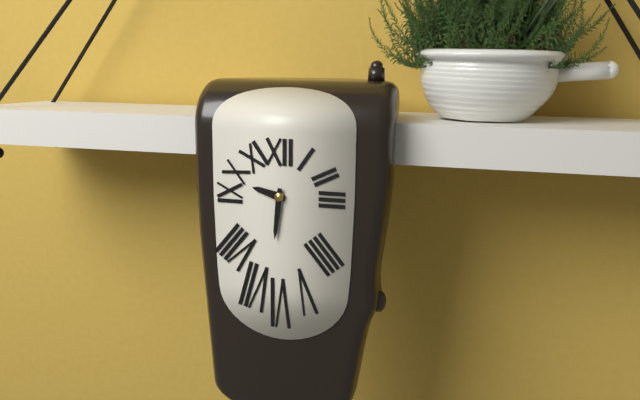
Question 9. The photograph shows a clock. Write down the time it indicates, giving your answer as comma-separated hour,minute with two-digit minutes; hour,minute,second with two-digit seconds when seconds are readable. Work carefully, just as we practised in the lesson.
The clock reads 9,31
